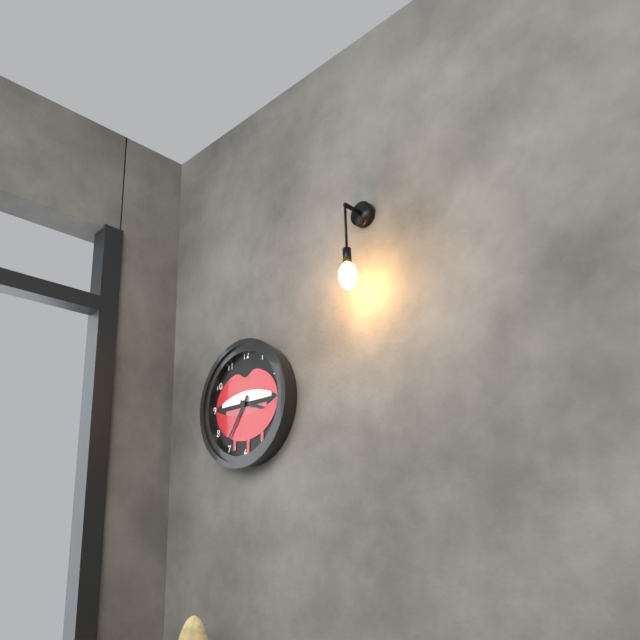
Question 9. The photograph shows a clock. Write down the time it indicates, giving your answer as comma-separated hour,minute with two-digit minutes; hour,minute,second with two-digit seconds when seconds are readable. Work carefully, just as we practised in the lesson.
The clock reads 3,36
